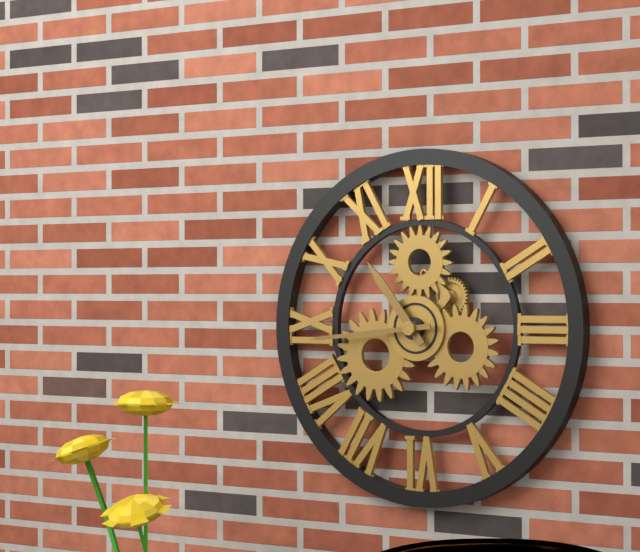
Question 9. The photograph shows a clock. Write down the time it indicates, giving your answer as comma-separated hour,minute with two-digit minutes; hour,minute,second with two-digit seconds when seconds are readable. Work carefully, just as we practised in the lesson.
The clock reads 10,44
